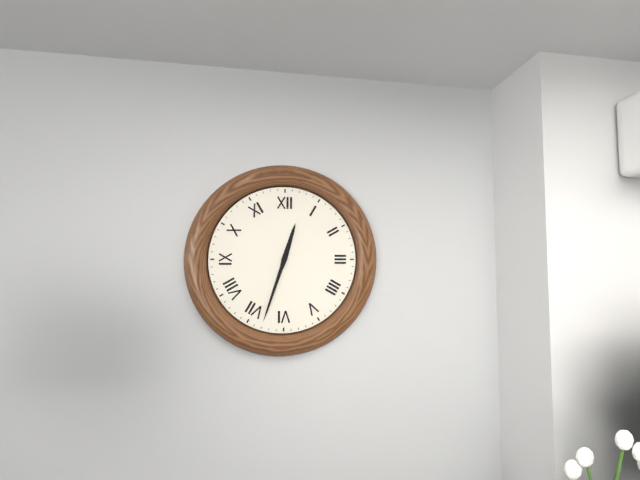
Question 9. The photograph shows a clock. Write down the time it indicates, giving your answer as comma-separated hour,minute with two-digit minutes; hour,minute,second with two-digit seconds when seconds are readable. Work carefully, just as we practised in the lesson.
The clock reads 12,33
